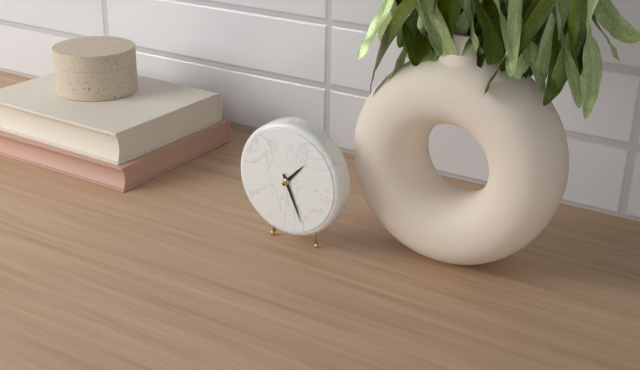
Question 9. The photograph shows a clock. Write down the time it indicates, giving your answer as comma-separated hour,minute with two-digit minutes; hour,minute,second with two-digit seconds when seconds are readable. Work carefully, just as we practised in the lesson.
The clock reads 1,26
